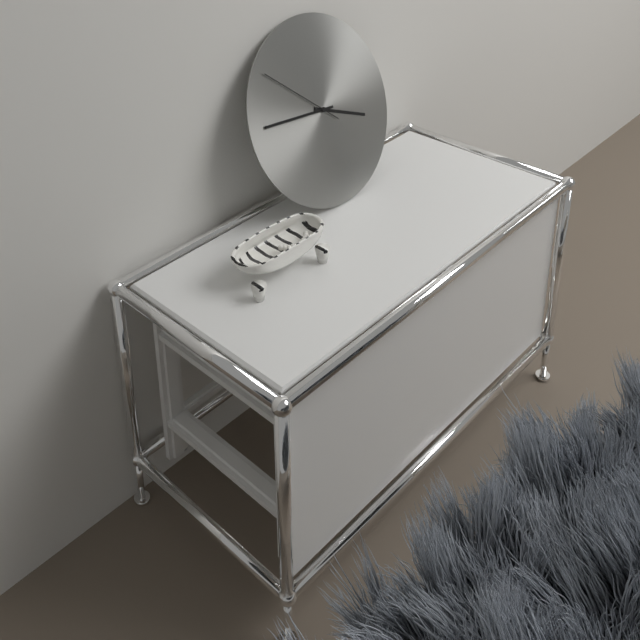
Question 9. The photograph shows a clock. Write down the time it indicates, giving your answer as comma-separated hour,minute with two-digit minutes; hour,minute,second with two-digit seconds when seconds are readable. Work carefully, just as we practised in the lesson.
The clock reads 3,46,52
